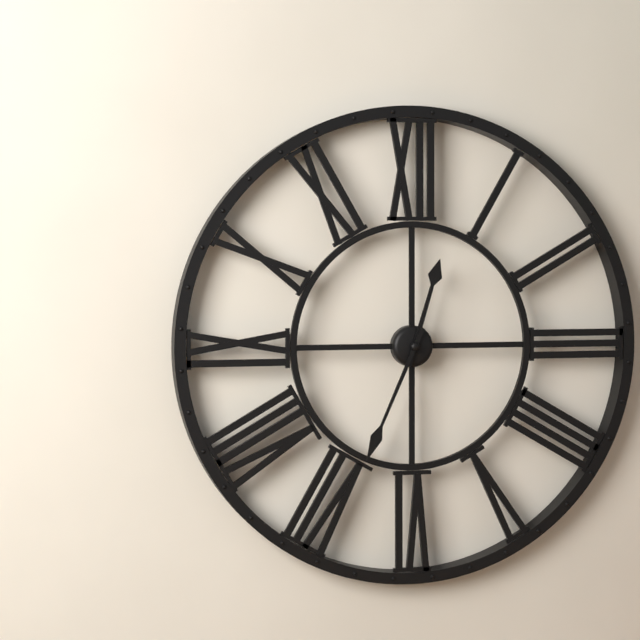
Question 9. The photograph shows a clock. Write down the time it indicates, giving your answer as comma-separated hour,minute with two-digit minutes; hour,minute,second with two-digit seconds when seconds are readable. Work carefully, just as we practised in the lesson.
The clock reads 12,34
